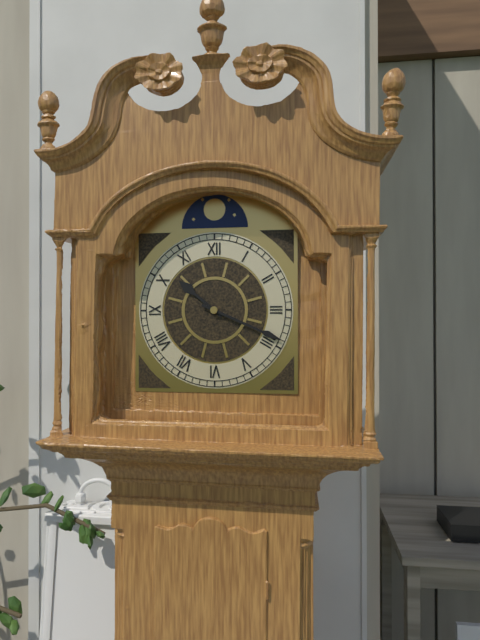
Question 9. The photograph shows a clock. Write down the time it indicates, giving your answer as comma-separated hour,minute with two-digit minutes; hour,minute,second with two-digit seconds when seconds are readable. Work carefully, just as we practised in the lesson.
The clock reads 10,19
